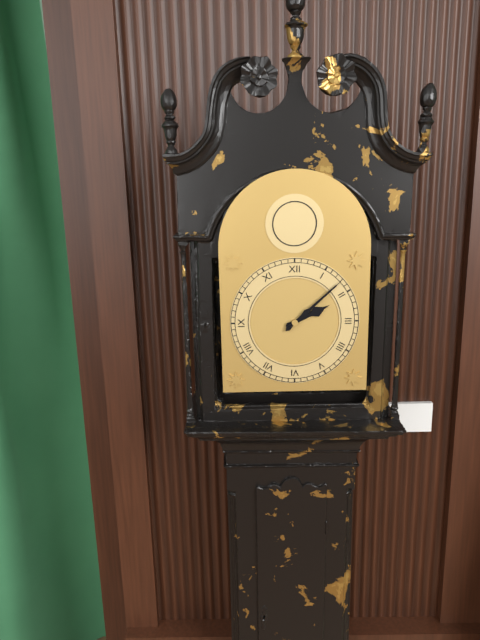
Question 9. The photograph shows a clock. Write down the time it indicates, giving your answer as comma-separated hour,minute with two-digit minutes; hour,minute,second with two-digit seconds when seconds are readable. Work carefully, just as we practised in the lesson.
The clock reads 2,08
